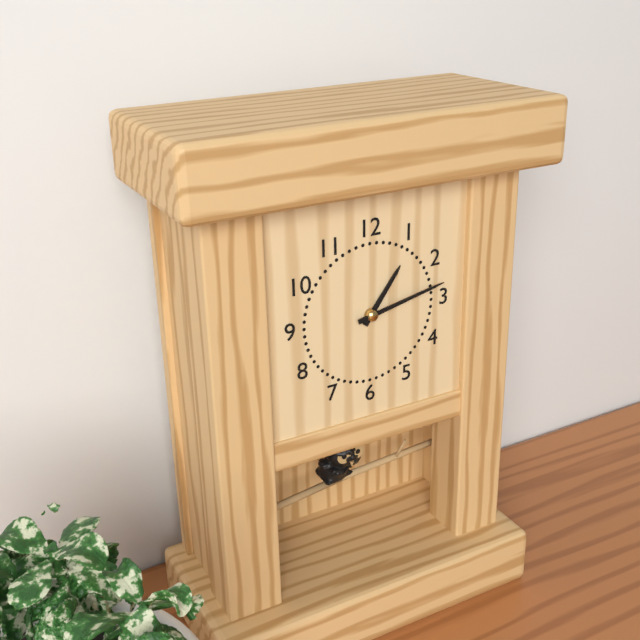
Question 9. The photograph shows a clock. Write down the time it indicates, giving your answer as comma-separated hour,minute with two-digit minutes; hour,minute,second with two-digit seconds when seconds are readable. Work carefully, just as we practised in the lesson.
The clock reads 1,13
